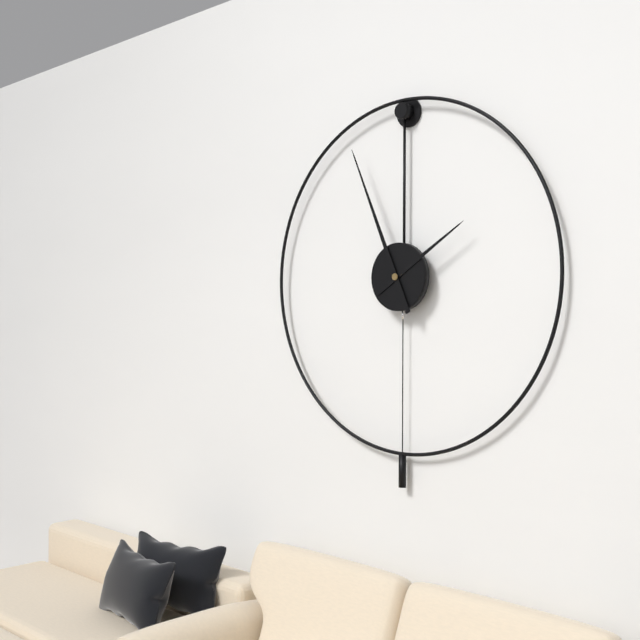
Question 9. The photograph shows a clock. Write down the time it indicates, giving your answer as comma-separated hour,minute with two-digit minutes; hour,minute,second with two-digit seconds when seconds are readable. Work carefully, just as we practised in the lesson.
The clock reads 1,56
